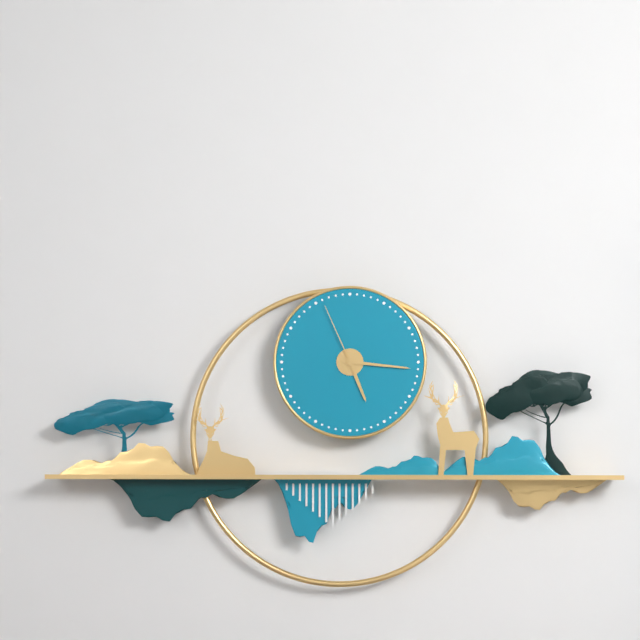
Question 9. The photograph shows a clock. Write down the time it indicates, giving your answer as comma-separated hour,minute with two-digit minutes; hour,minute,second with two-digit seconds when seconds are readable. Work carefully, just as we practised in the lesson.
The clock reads 5,16,56
